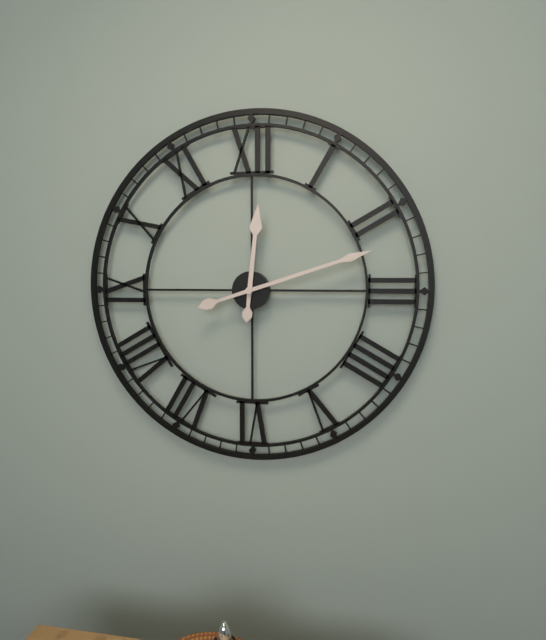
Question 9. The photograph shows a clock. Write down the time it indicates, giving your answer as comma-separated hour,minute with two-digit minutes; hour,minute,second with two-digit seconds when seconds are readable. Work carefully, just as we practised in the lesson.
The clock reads 12,12
